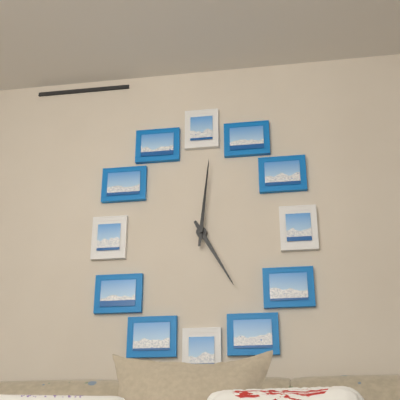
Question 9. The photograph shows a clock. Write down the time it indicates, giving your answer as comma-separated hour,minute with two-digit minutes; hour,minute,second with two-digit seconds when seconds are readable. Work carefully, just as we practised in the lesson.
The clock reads 5,01
